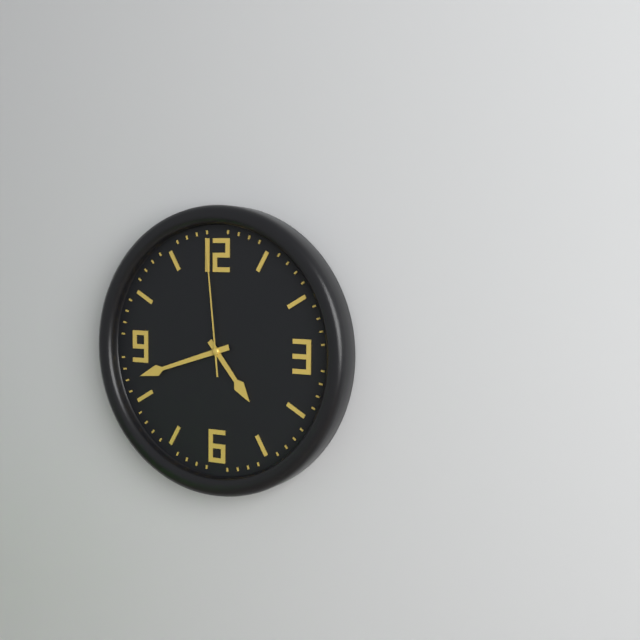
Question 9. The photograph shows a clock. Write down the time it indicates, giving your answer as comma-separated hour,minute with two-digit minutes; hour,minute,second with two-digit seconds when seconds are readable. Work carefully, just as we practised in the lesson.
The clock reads 4,42,59
